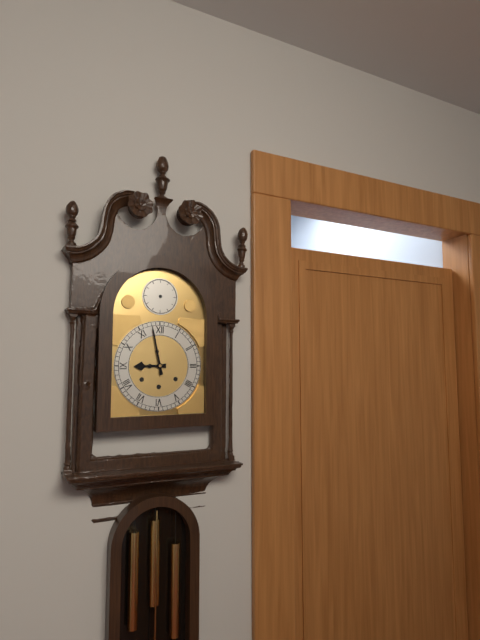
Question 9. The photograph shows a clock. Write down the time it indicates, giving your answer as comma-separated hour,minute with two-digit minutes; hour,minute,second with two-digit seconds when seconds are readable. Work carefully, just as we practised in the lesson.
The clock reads 8,58
